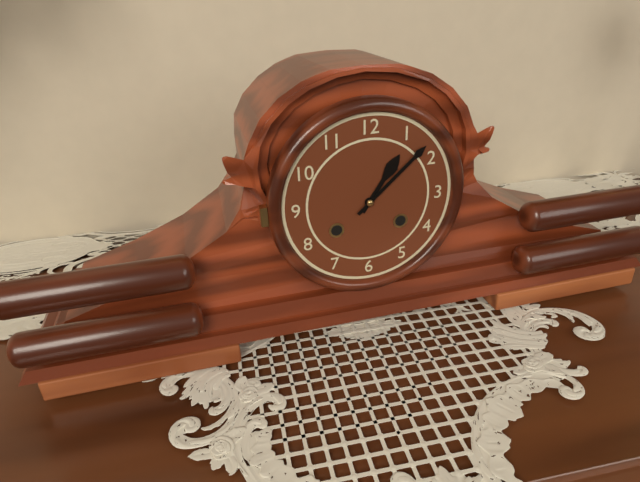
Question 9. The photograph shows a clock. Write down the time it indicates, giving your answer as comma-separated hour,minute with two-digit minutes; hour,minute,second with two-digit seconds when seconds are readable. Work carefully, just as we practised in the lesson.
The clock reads 1,08
